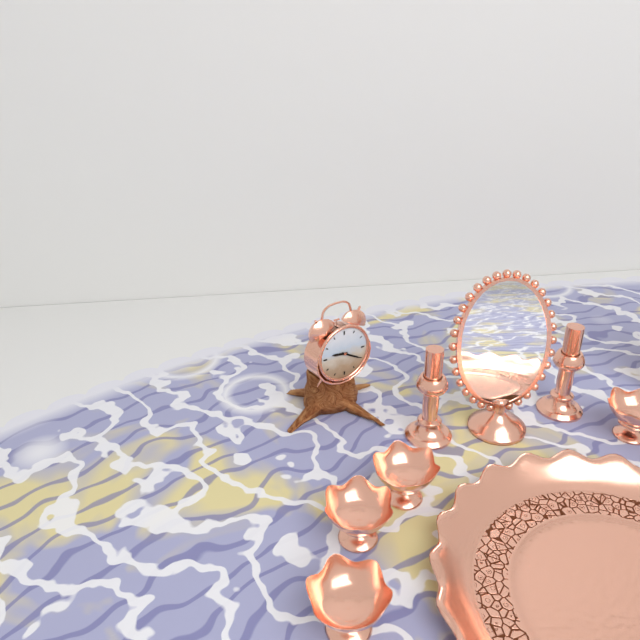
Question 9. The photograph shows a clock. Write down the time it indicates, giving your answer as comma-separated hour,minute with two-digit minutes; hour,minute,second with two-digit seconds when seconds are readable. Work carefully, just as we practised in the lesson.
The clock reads 9,20
